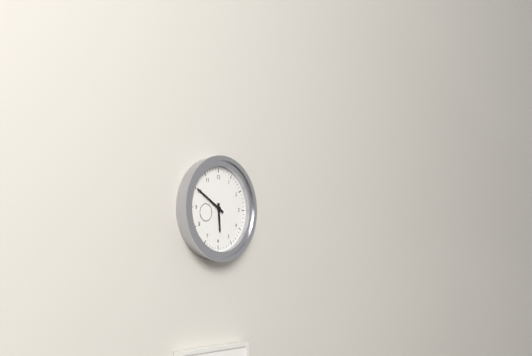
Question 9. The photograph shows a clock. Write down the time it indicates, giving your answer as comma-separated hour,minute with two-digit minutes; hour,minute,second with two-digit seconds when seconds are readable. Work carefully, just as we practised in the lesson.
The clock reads 5,50
